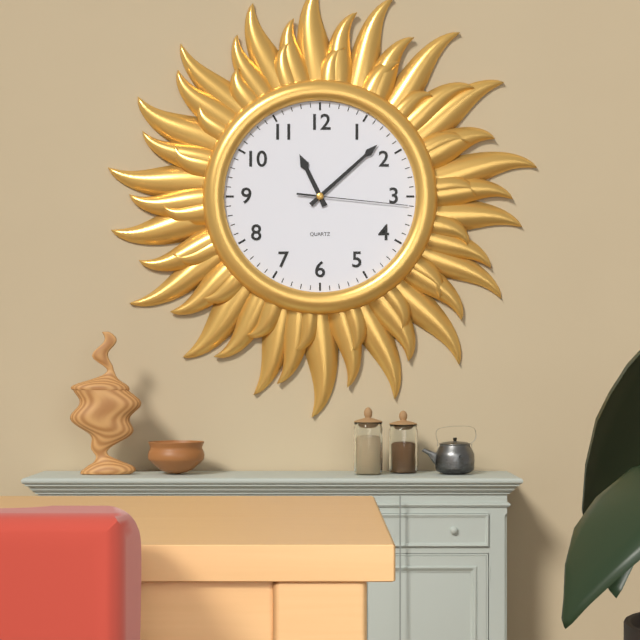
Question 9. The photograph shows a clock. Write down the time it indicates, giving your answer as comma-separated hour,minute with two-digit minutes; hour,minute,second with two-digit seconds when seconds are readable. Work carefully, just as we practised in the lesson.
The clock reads 11,08,16
